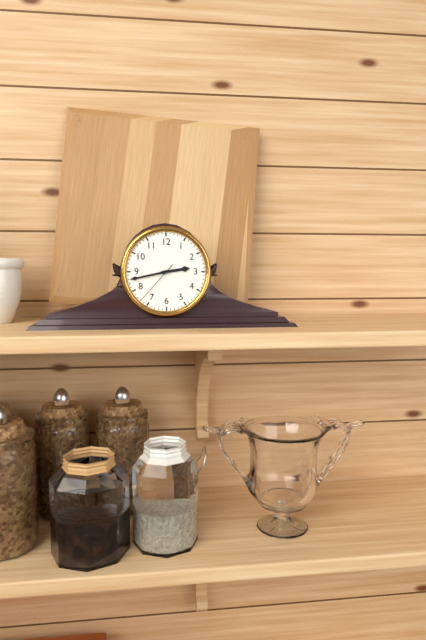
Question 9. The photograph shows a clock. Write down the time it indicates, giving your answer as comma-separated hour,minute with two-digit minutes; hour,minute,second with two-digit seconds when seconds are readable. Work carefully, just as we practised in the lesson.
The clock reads 2,43
